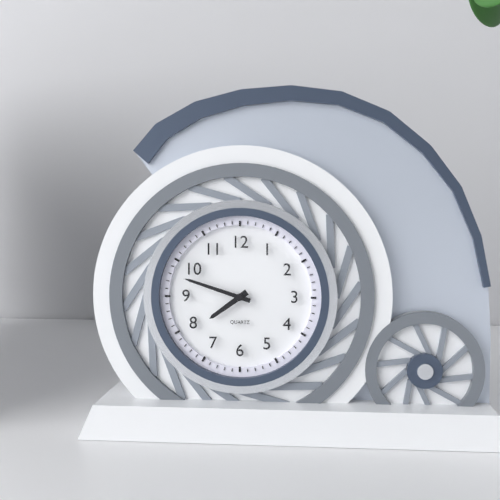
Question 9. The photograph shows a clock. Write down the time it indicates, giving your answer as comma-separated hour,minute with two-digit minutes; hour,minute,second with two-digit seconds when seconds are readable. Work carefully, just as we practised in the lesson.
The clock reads 7,48
